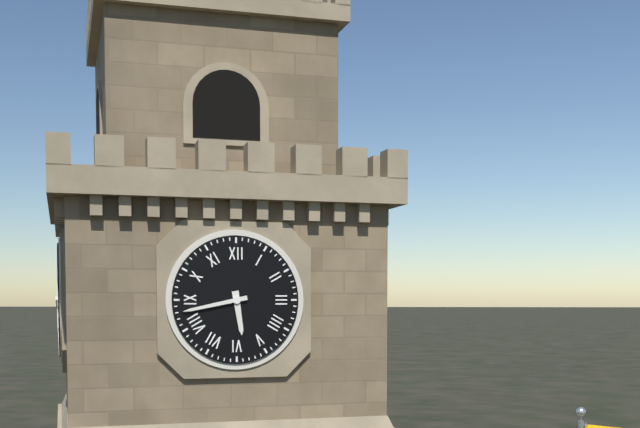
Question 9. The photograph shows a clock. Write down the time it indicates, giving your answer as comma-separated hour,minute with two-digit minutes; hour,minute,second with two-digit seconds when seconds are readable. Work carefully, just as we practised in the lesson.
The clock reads 5,43
